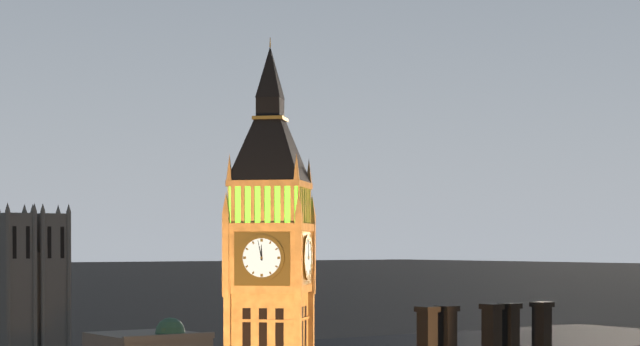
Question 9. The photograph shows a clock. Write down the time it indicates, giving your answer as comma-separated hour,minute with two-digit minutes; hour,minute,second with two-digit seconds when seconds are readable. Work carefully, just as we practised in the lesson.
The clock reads 11,58
